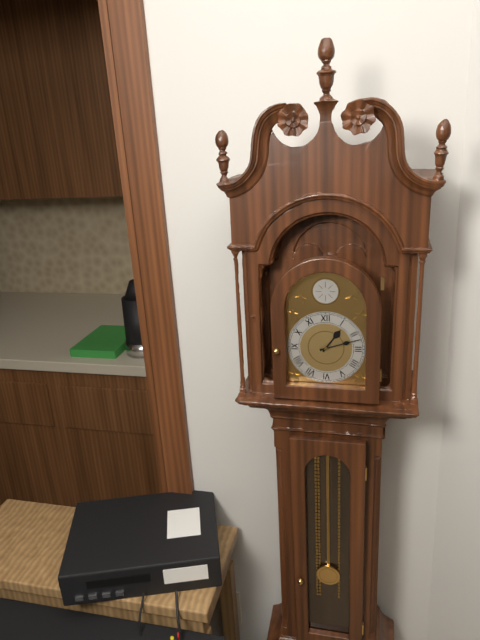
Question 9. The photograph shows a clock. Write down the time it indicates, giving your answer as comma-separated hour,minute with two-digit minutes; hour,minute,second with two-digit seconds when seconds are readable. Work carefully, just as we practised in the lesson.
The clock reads 1,12
